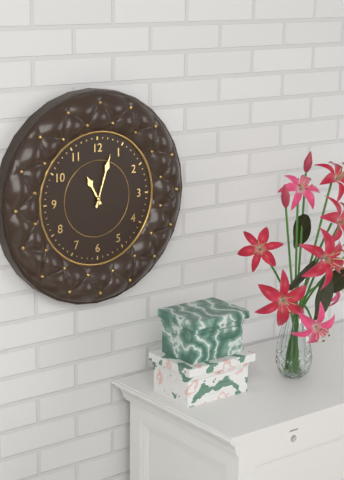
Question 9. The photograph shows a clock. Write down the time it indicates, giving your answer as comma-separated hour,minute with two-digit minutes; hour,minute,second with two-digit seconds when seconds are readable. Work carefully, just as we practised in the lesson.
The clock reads 11,03
